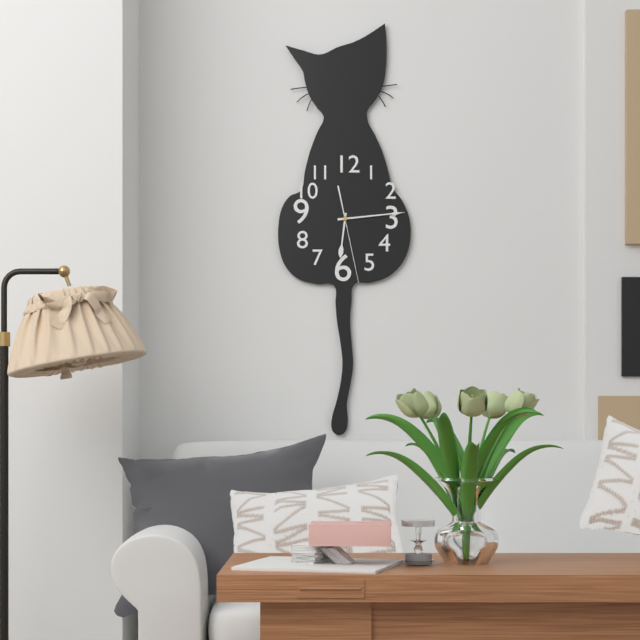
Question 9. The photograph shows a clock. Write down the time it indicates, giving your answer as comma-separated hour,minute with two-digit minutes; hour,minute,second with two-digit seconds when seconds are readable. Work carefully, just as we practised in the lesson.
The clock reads 6,14,28
